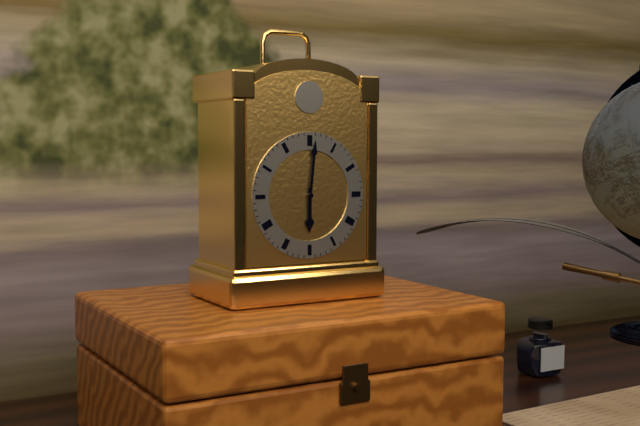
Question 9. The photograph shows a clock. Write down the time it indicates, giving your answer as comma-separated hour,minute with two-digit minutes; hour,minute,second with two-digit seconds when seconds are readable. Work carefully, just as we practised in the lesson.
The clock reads 6,01
